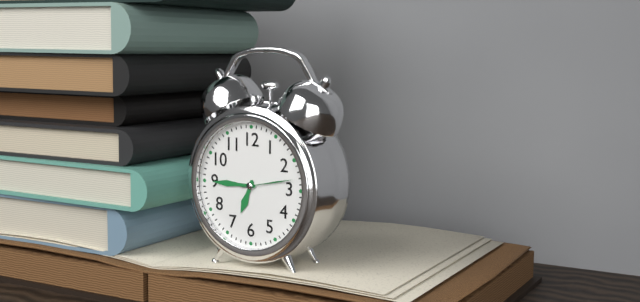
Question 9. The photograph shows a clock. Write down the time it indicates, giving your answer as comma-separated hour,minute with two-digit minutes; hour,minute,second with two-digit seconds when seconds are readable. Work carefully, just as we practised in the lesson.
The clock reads 6,45,13
